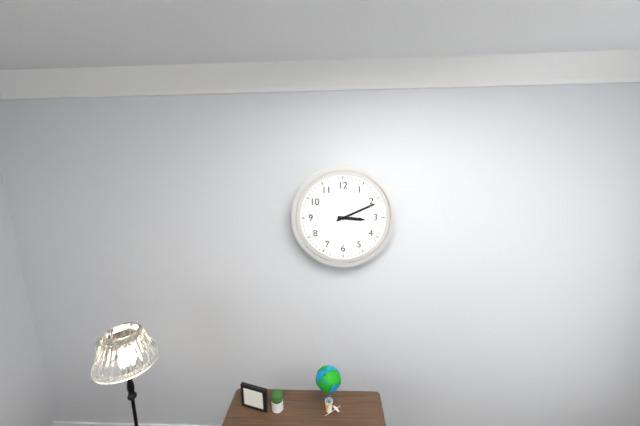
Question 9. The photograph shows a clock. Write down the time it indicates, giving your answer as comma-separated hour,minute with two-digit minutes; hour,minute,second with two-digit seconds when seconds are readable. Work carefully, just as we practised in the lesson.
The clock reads 3,11
